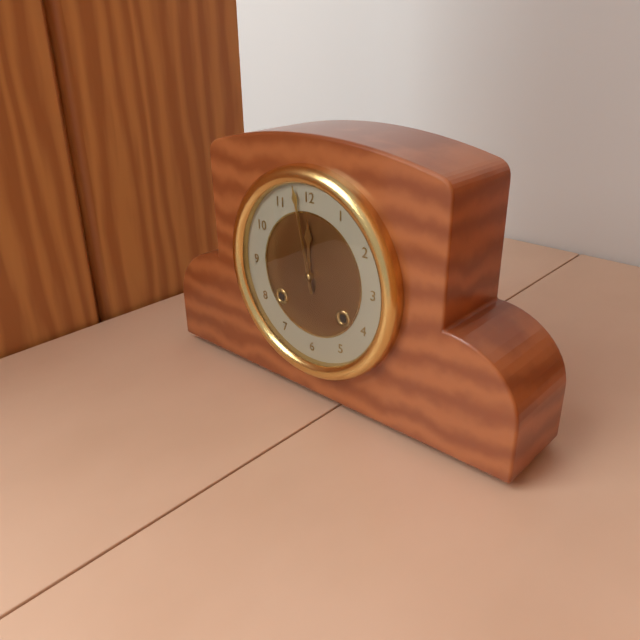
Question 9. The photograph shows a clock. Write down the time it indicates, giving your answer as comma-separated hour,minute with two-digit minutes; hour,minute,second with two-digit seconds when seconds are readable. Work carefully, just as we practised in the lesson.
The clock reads 11,58
